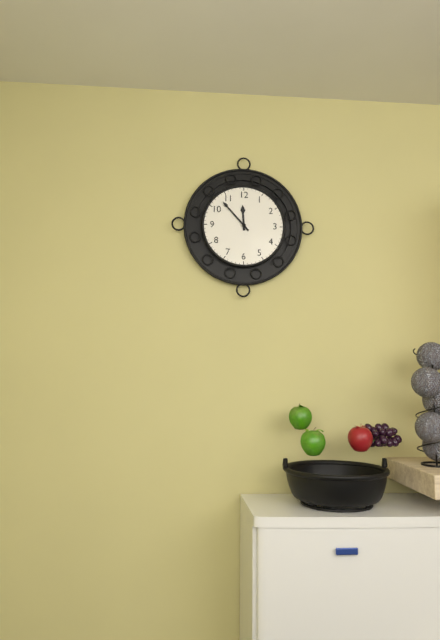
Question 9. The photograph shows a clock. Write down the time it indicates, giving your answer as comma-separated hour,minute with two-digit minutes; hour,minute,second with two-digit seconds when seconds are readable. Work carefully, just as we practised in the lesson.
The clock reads 11,53
